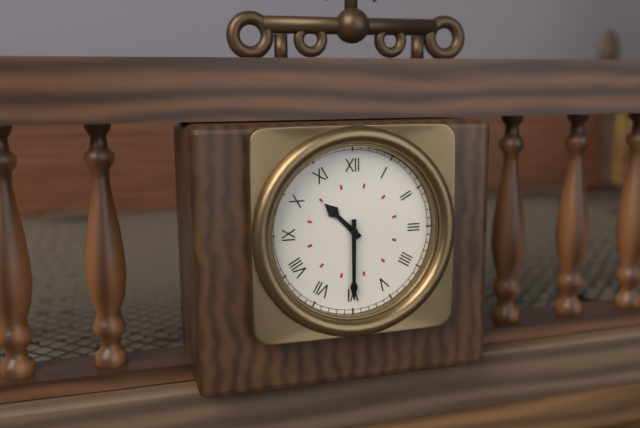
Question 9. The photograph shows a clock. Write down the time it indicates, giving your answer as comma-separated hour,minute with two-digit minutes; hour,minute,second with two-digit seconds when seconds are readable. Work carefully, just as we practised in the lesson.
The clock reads 10,30
